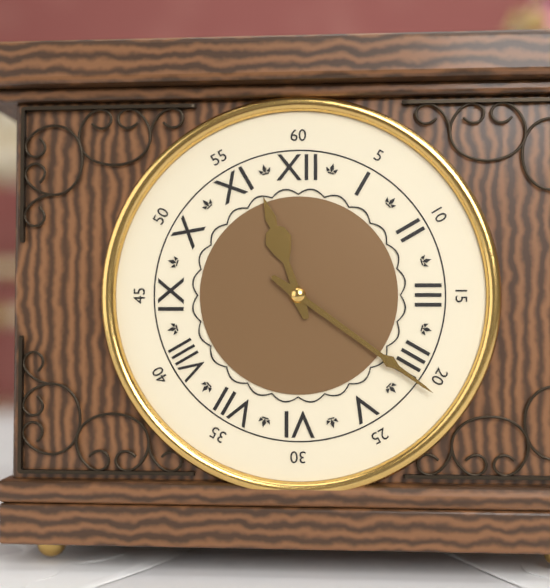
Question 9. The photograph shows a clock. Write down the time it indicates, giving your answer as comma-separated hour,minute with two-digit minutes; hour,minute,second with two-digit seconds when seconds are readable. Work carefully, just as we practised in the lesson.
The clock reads 11,21
